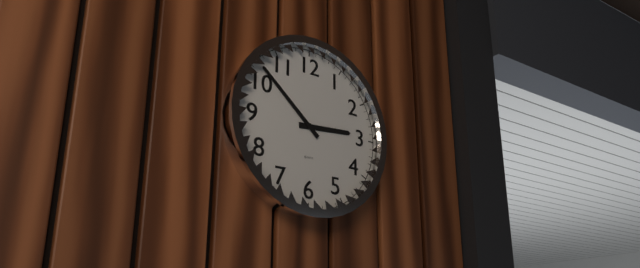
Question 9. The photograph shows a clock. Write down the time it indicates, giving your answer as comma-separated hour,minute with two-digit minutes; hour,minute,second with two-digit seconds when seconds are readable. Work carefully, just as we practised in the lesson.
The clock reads 2,52
